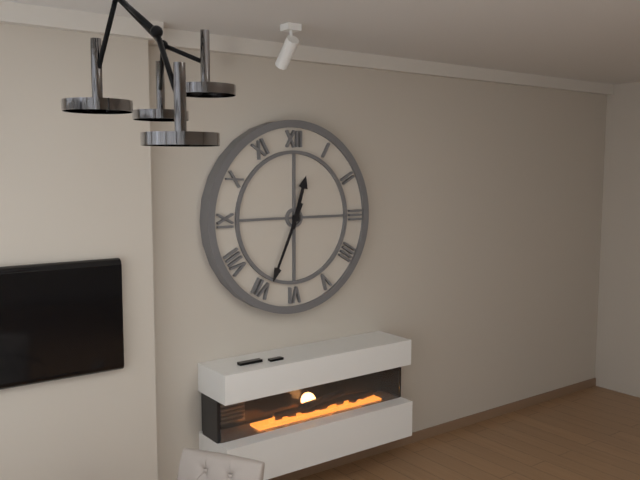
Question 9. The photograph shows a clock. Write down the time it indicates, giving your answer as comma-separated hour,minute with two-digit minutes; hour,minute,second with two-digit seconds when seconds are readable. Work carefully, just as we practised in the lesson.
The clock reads 12,34
